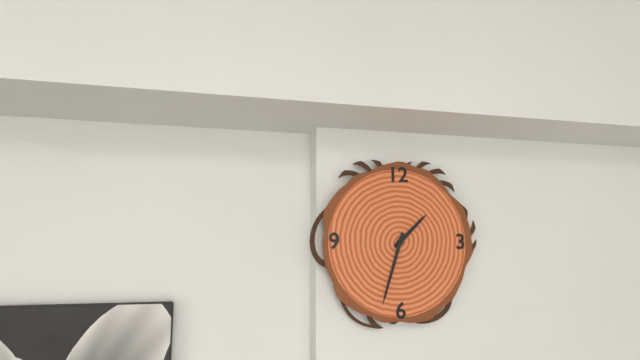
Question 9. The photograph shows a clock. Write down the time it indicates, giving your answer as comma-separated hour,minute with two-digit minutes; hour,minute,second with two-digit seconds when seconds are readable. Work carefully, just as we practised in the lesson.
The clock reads 1,33
